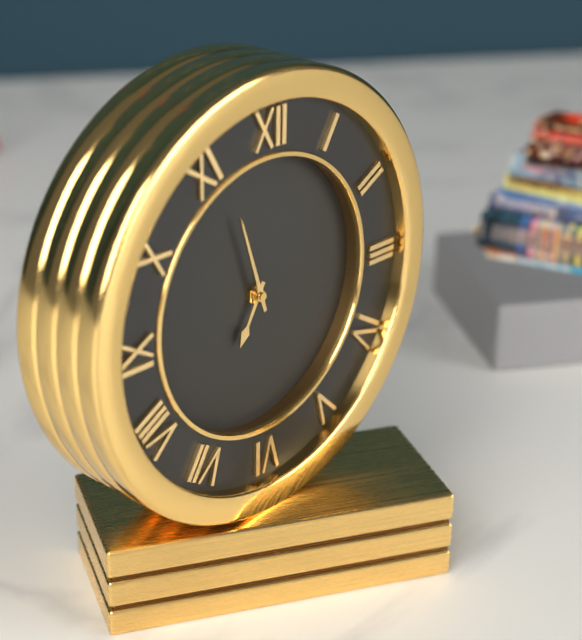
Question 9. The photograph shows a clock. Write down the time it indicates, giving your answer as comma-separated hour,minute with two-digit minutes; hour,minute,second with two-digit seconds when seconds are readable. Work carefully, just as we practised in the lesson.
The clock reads 6,57
